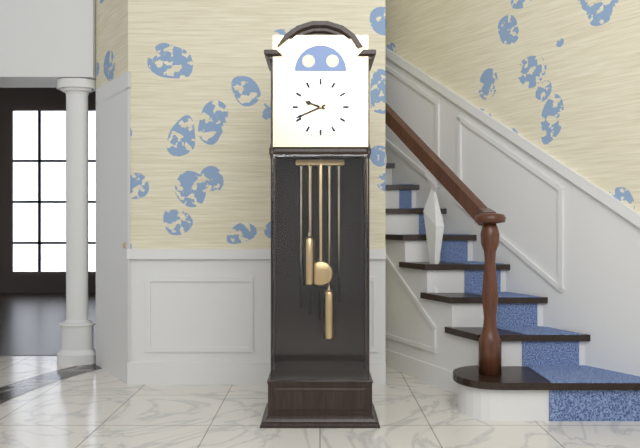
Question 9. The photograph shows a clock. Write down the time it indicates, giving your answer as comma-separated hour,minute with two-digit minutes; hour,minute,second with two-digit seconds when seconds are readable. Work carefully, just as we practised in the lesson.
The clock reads 9,41
